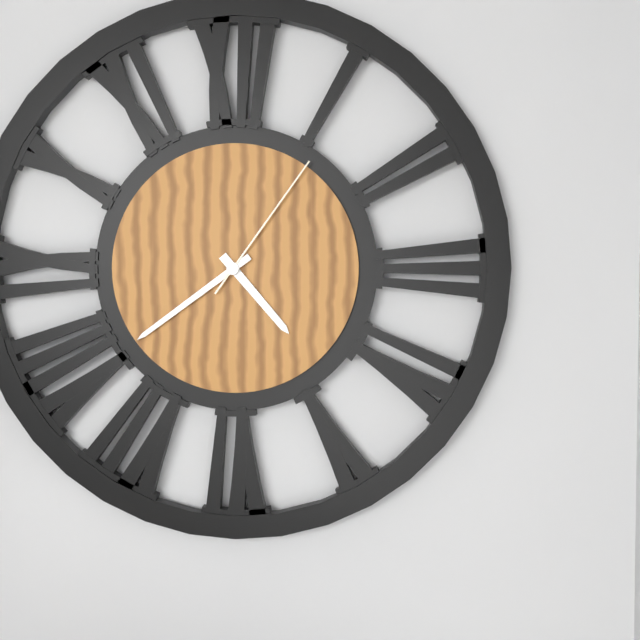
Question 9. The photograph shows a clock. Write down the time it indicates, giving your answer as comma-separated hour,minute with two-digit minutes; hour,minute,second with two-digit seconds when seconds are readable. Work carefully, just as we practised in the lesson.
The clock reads 4,39,06
